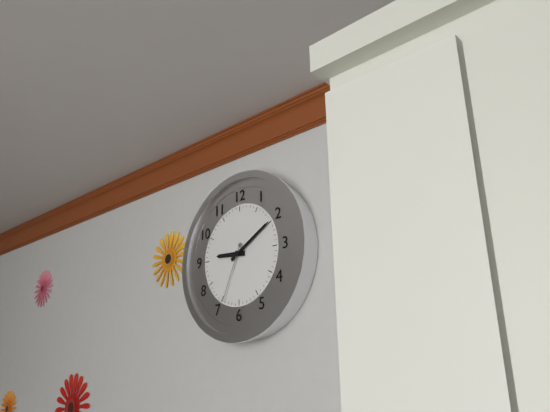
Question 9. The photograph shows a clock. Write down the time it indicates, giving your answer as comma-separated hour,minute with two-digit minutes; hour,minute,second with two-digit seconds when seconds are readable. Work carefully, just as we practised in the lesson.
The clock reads 9,10,34
